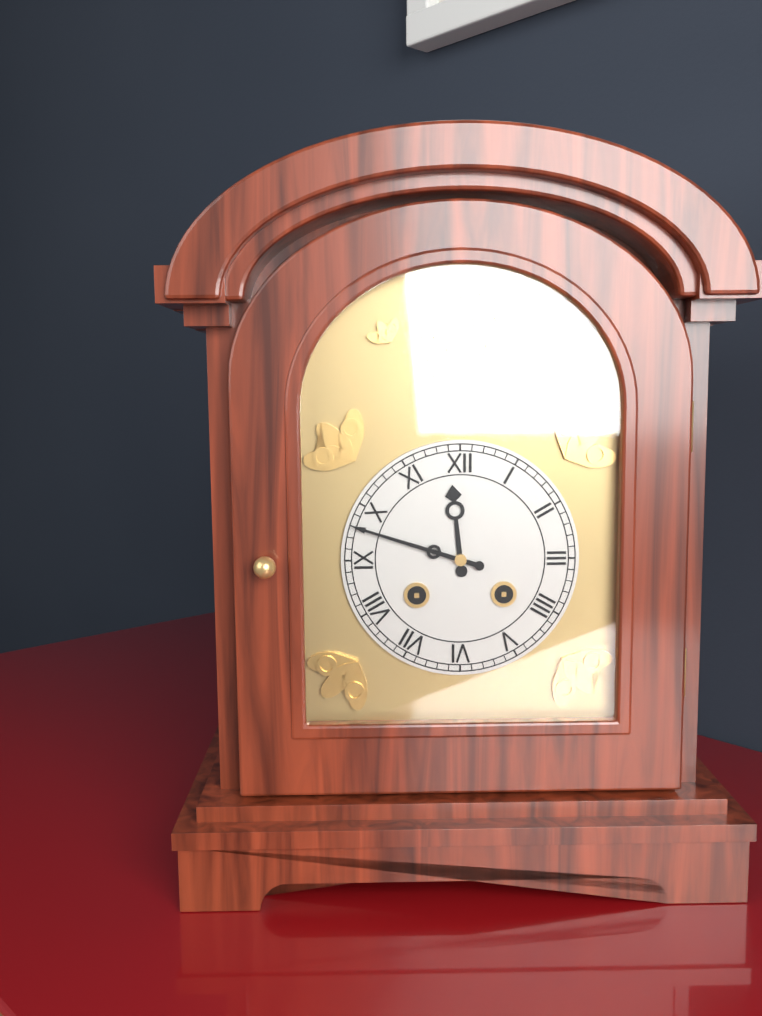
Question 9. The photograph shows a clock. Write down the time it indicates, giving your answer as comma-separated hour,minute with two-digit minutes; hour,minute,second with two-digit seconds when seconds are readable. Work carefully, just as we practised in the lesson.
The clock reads 11,48
